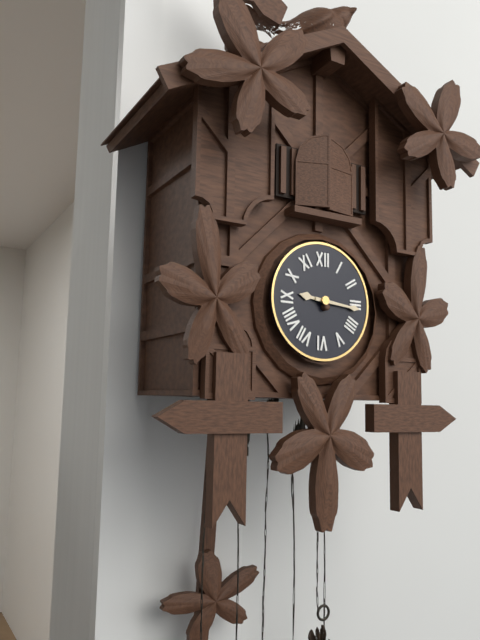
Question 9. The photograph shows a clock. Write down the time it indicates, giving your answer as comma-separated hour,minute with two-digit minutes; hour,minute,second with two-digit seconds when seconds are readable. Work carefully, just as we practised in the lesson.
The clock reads 9,16
